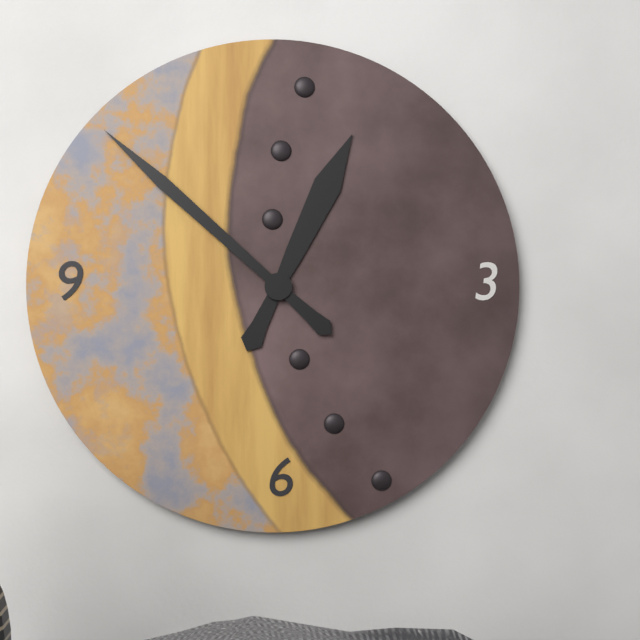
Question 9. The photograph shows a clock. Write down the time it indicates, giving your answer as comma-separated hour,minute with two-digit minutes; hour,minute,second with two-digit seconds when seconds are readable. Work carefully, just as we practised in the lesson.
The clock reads 12,52
